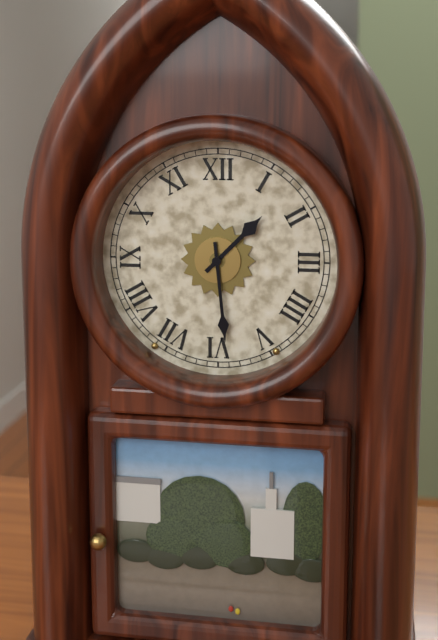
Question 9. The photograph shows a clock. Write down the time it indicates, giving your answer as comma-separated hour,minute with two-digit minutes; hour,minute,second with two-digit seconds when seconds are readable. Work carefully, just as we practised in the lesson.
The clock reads 1,29
